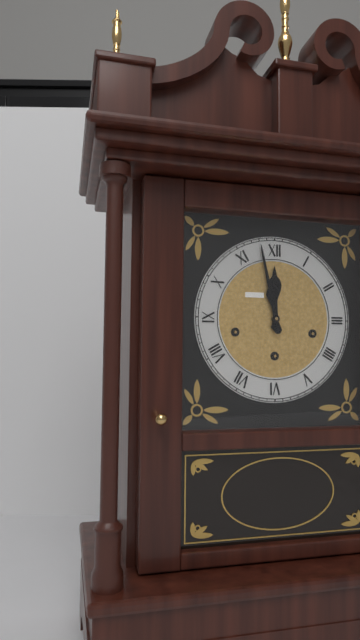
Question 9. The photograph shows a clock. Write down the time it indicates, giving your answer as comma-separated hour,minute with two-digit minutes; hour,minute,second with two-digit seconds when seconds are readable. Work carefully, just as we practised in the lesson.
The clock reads 11,58
